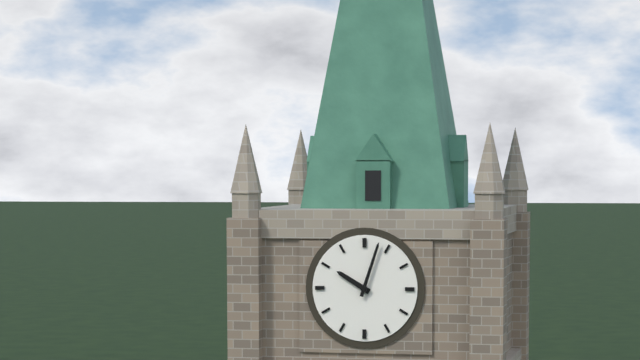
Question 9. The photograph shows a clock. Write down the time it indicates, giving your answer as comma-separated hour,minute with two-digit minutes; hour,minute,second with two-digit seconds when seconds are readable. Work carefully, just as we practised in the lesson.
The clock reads 10,03
